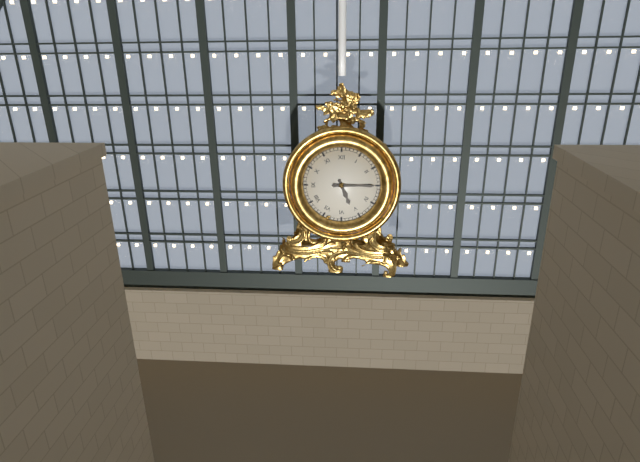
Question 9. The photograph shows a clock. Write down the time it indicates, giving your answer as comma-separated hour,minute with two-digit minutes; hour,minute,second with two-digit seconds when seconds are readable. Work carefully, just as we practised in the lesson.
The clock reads 5,15
